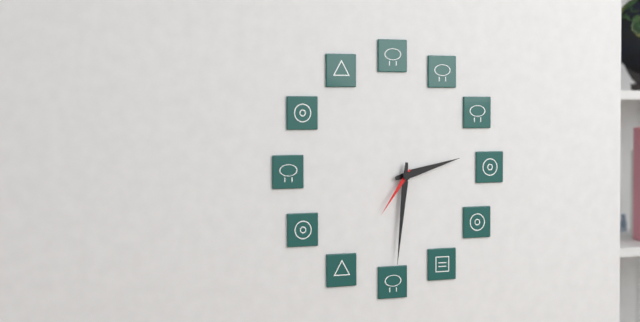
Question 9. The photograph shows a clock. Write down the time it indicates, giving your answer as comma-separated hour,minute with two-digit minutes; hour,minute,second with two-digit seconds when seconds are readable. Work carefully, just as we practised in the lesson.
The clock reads 2,31,36
